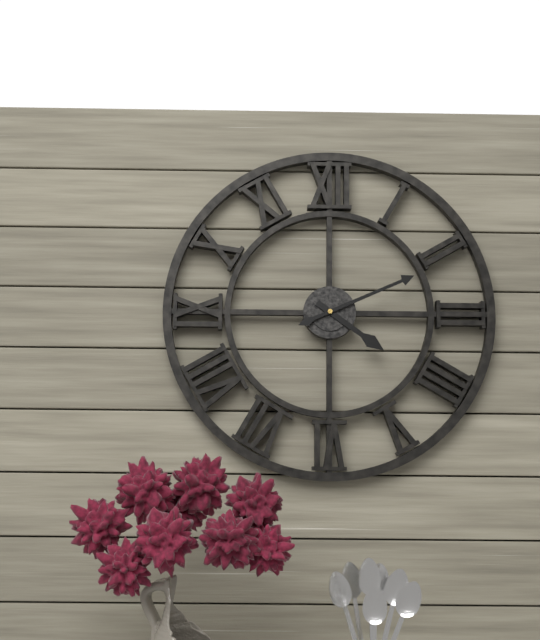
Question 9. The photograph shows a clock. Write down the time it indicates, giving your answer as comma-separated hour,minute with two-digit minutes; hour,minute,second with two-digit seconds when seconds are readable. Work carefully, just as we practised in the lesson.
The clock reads 4,11
